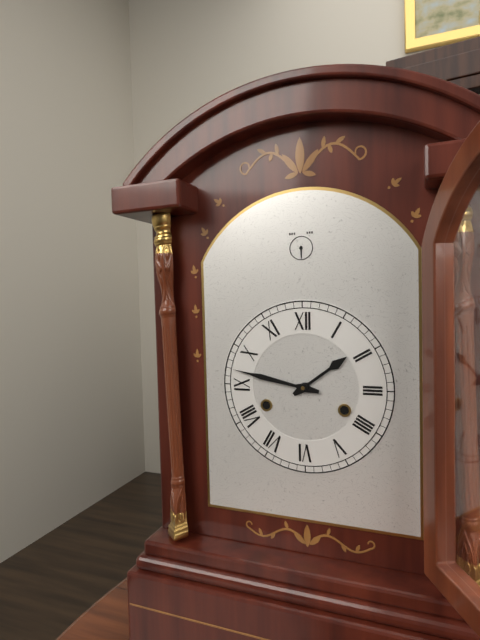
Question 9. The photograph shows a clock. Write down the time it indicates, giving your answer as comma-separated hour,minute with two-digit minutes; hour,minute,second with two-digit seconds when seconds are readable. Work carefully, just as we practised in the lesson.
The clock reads 1,47
